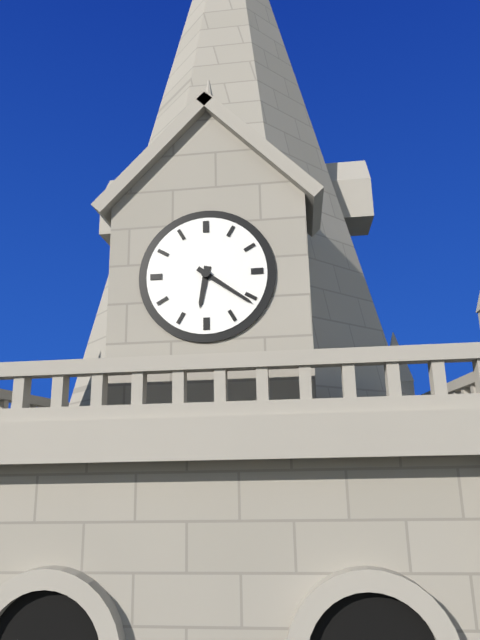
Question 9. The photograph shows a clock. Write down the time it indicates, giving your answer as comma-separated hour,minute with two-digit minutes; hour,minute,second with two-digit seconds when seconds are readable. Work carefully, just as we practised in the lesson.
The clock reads 6,21
